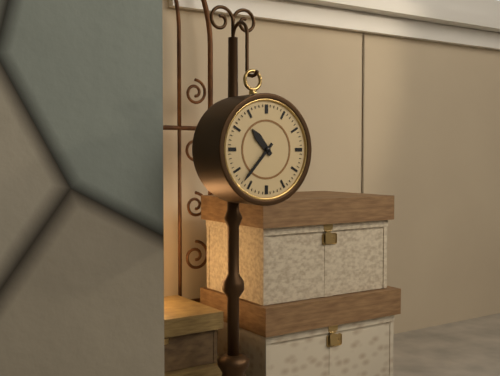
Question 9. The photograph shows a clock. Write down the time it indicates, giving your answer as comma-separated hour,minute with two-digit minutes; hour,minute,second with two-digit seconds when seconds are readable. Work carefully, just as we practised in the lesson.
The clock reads 10,37
